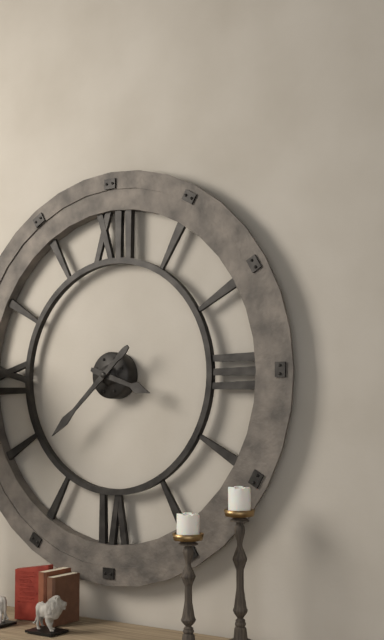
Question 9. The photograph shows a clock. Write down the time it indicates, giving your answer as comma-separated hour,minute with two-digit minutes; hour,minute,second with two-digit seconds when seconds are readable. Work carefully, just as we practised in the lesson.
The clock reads 3,38
